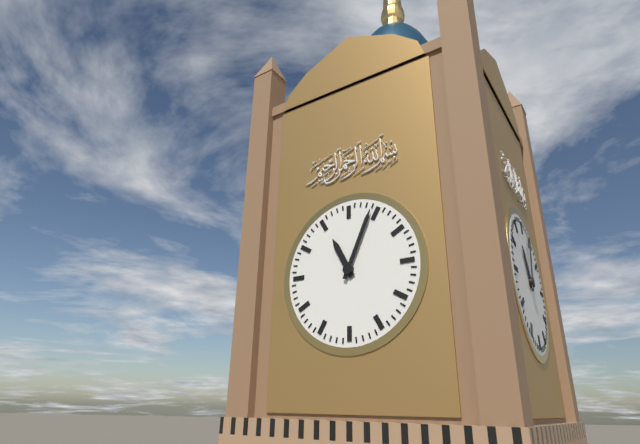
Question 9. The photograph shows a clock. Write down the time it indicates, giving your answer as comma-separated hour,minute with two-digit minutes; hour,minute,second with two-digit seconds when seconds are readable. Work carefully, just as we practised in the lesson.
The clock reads 11,04
